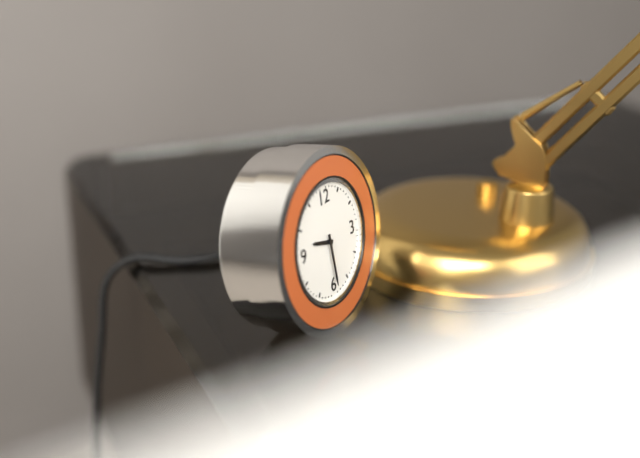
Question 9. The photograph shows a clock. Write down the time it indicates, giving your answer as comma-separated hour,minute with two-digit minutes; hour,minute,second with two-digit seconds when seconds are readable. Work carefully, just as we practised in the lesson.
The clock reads 9,29
